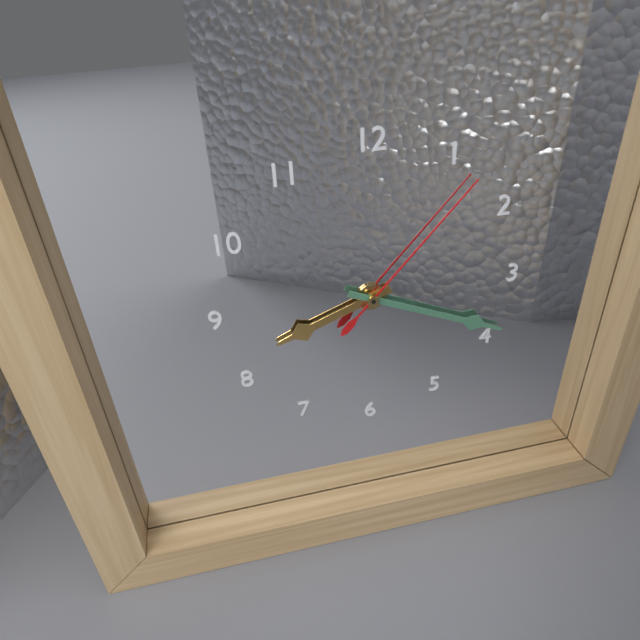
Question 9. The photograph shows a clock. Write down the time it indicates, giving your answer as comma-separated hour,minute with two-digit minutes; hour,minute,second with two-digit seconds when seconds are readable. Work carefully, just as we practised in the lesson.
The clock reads 8,19,07
